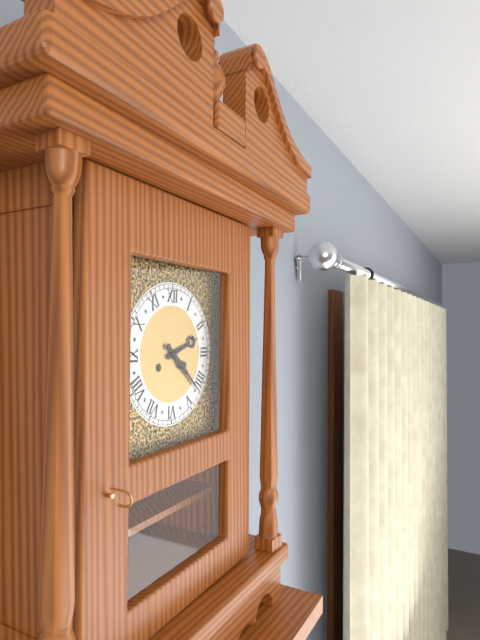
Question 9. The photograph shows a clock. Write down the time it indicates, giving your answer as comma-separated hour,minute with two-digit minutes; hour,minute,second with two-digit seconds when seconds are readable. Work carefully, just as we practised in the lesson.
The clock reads 2,22
